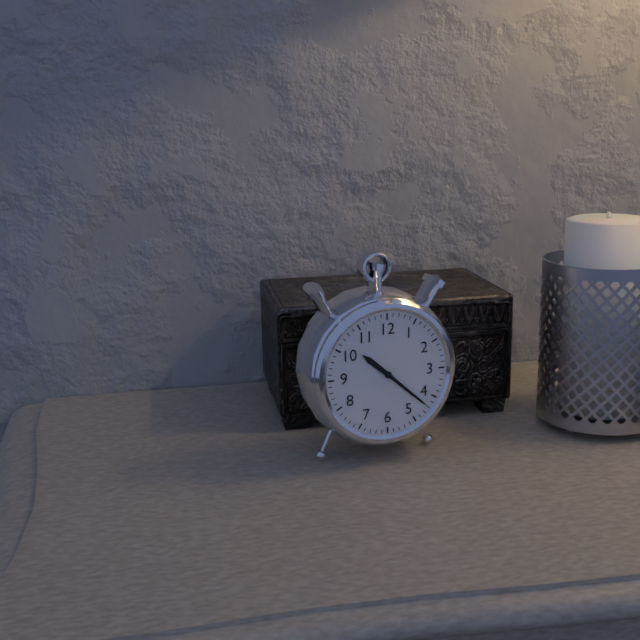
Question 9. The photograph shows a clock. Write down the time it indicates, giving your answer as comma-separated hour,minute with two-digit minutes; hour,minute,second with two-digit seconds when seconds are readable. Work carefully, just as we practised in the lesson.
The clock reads 10,22
